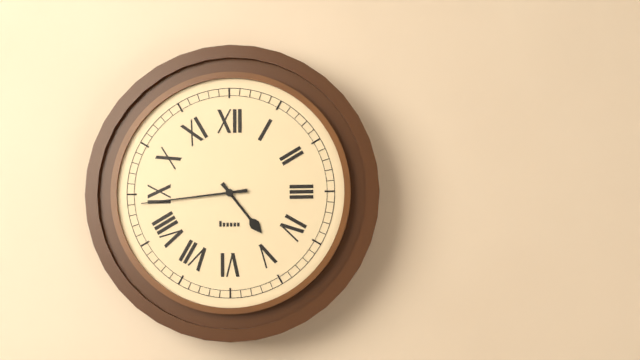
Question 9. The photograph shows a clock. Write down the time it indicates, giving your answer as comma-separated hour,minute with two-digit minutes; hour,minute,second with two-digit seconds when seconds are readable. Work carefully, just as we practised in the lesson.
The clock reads 4,44
